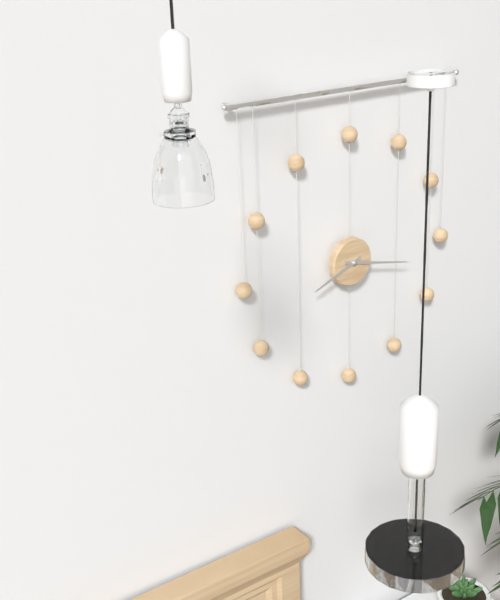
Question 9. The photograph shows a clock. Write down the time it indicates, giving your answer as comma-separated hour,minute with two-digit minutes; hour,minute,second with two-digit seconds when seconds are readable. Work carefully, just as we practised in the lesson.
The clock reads 8,17
